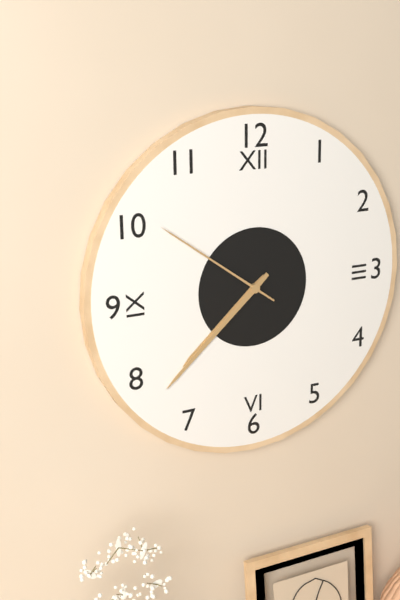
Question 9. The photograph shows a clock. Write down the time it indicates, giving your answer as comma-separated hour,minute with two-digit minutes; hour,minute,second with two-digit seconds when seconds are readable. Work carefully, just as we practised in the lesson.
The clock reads 7,38,51
